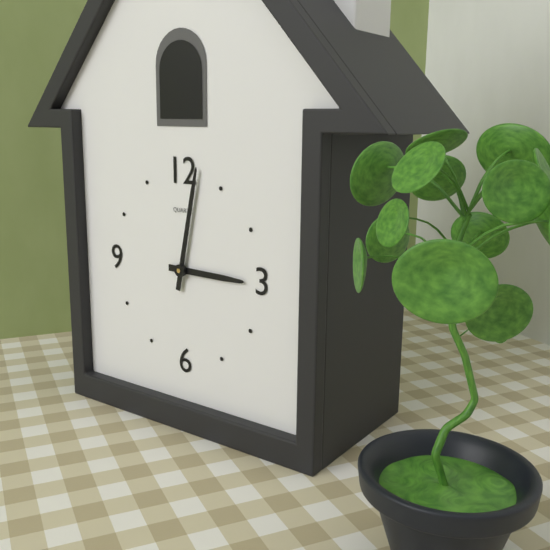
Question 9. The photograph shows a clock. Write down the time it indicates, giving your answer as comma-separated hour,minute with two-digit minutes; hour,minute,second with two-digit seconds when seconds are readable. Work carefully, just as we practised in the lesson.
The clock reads 3,02
